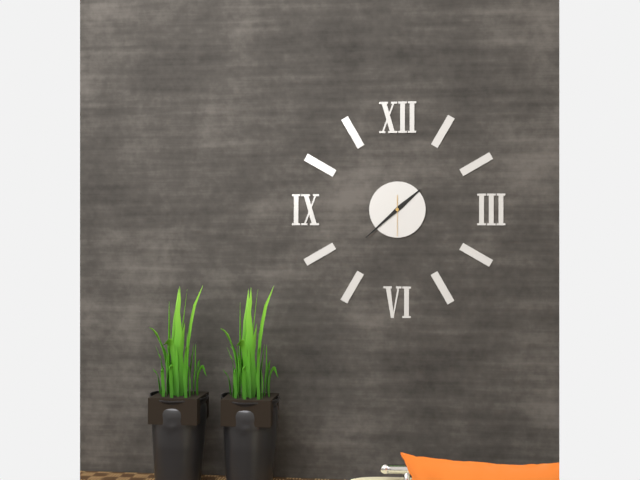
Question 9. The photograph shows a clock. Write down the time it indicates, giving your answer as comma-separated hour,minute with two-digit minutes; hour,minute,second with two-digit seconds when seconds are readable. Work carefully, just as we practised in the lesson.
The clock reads 1,38
